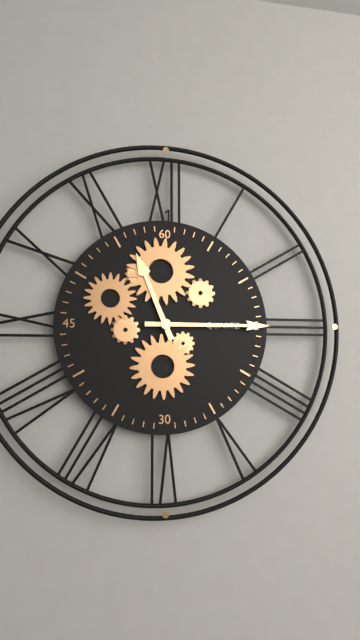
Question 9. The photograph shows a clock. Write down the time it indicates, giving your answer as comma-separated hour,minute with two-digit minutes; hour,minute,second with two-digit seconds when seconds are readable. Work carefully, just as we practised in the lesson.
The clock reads 11,15
